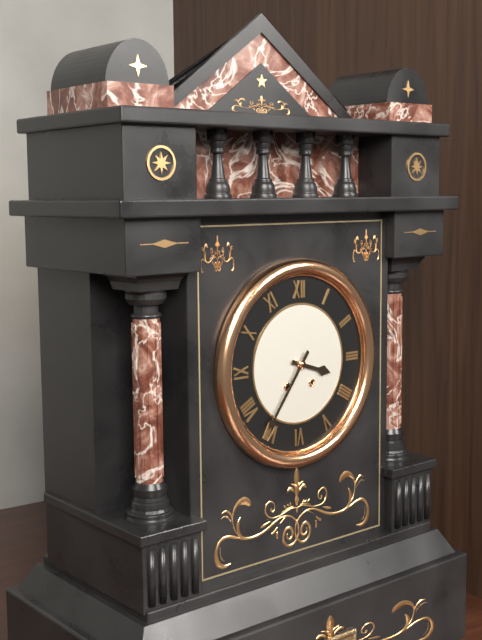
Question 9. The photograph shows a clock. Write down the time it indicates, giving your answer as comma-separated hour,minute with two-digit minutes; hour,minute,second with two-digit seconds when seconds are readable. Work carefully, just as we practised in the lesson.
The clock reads 3,36
